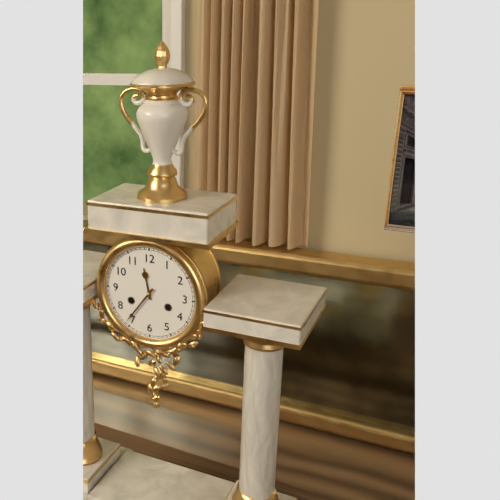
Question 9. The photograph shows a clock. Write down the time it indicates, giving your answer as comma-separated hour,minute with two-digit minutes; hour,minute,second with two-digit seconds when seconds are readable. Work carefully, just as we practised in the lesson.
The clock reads 11,36
